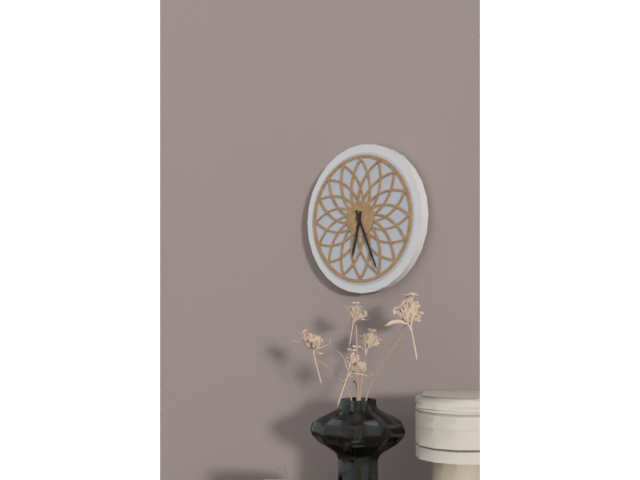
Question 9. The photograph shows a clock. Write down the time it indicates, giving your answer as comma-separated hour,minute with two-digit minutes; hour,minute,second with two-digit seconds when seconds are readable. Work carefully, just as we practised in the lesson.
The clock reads 6,26
